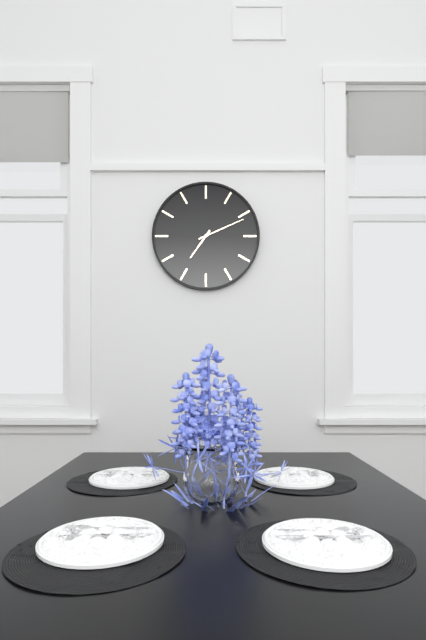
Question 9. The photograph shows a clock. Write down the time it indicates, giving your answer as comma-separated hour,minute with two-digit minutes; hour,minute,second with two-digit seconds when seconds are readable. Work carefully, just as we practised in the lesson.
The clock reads 7,11
